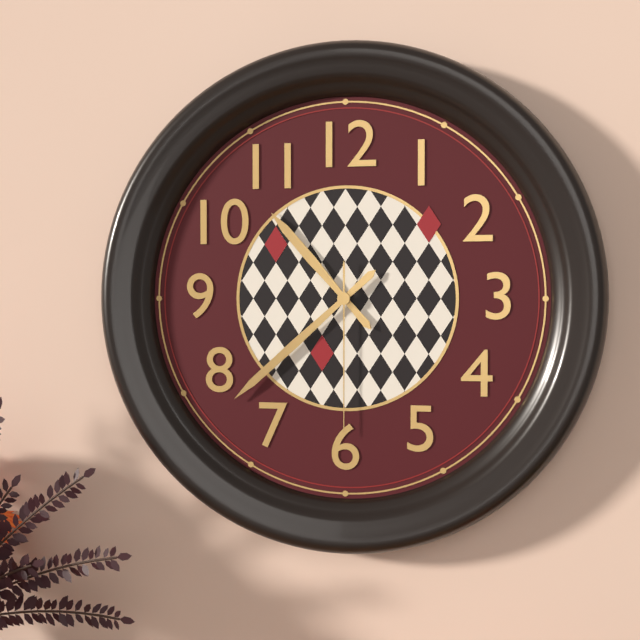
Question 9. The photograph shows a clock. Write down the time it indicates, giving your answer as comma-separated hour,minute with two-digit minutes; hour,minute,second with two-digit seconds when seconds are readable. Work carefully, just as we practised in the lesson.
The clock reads 10,38,30
